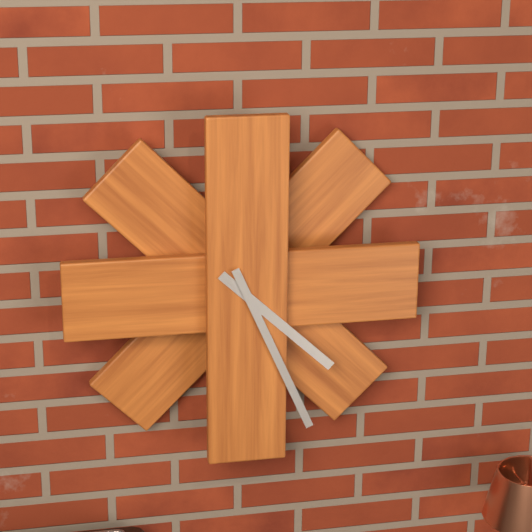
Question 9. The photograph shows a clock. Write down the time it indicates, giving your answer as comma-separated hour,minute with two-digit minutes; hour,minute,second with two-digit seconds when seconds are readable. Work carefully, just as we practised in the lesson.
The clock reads 4,26
